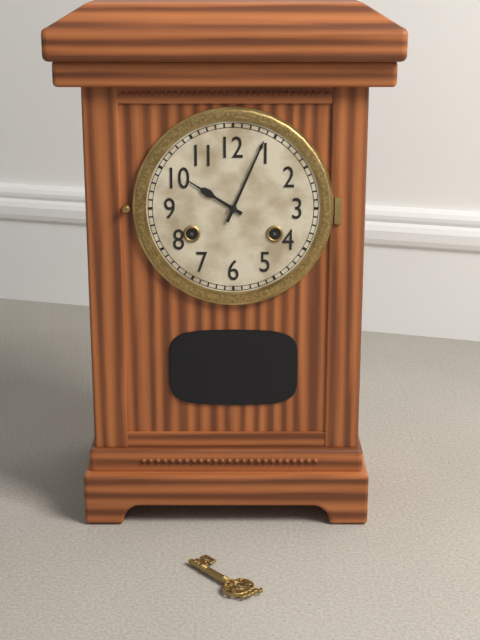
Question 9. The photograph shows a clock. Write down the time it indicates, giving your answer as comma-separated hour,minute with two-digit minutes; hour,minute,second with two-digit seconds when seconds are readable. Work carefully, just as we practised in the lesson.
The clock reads 10,04
